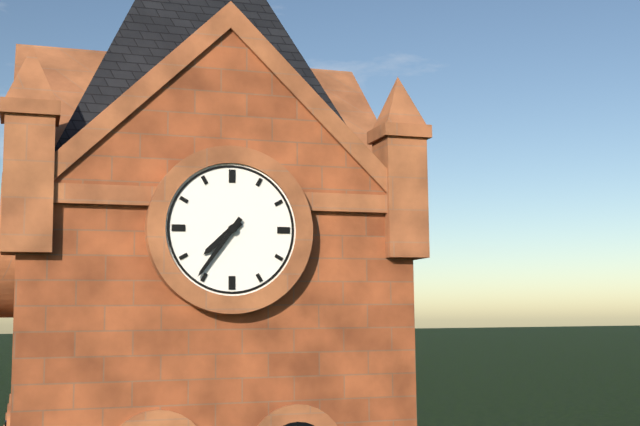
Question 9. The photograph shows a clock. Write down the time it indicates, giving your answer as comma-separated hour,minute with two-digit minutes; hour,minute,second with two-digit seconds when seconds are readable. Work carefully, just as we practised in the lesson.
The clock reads 7,36
